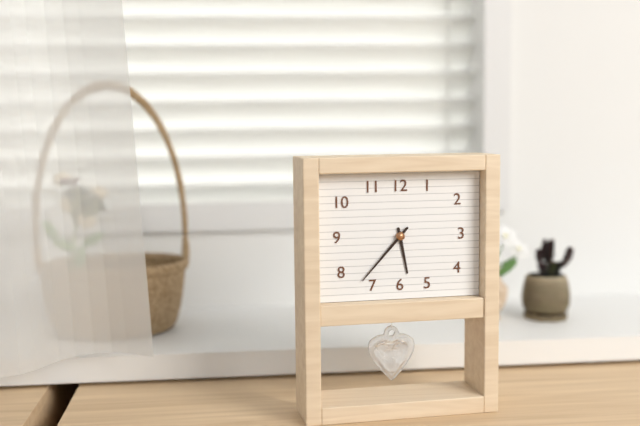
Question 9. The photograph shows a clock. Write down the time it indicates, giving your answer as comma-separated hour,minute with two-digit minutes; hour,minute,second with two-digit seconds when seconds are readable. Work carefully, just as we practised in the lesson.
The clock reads 5,37
